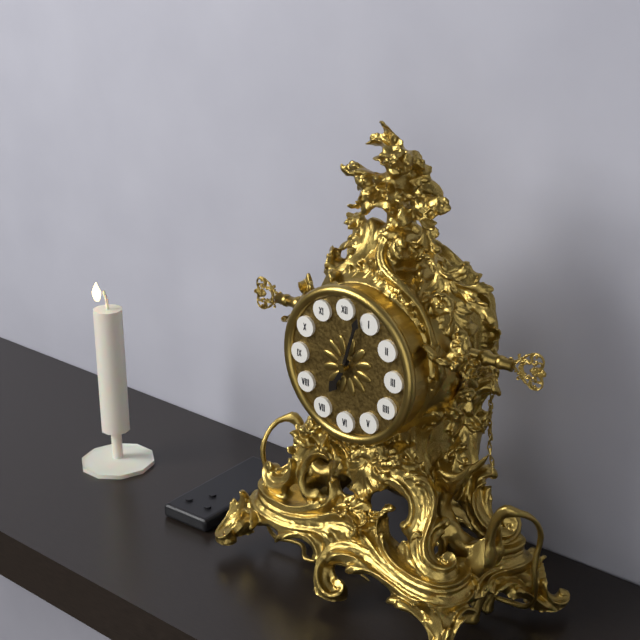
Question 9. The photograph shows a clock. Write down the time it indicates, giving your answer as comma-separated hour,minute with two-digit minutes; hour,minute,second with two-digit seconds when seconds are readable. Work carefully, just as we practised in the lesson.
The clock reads 7,03
